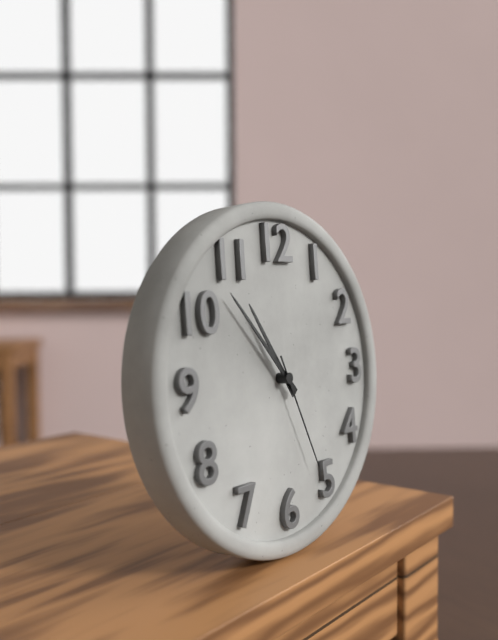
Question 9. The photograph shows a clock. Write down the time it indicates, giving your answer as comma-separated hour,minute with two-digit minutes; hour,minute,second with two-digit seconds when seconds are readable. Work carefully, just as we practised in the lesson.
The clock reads 10,53,26
